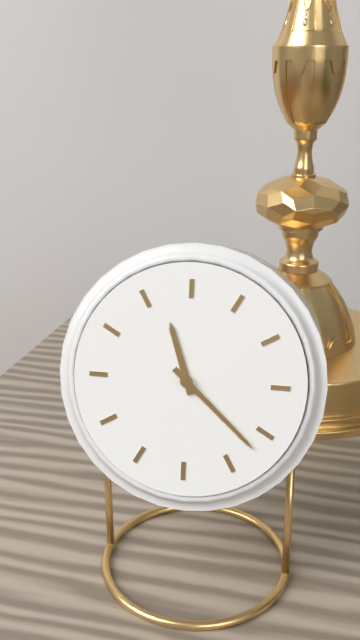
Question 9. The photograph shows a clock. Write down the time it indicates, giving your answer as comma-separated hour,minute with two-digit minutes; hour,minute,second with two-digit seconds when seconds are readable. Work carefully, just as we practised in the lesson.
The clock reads 11,22
